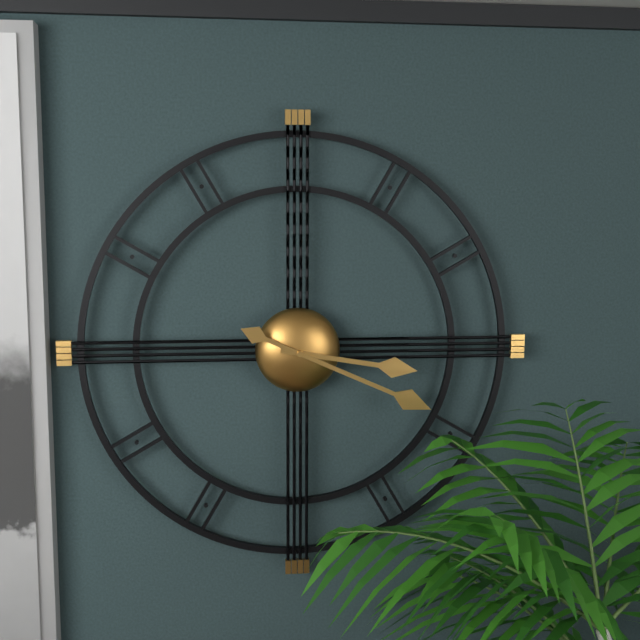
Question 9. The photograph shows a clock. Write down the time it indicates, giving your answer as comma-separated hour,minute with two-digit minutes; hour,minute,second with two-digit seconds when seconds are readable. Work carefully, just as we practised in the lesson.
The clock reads 3,19
